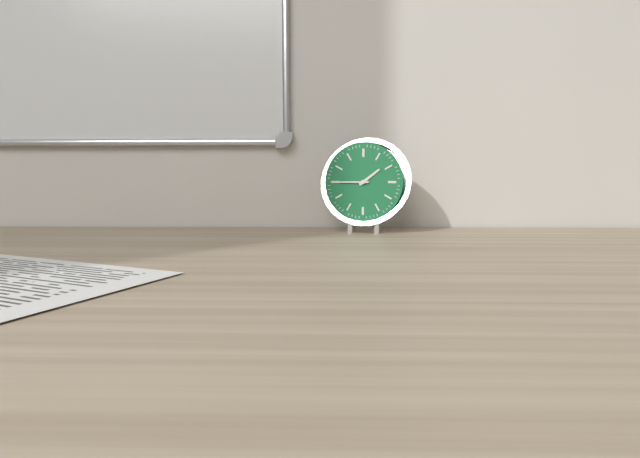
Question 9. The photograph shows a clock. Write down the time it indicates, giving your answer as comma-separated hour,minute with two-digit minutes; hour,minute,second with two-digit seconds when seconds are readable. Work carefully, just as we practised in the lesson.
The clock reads 1,45
